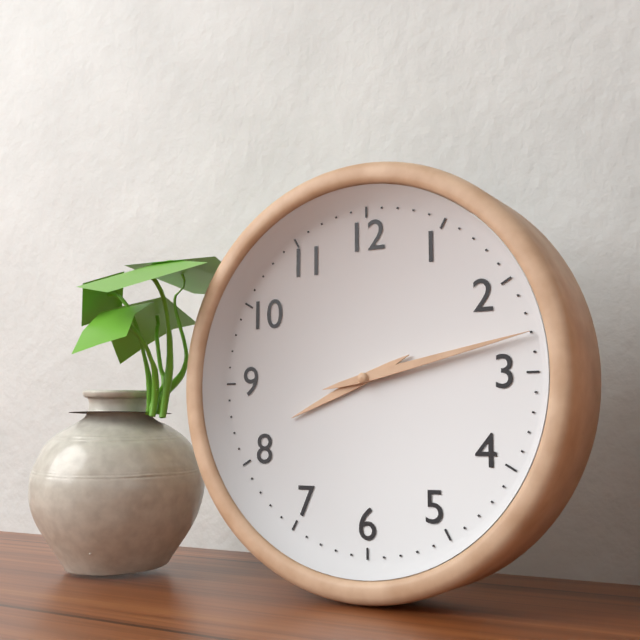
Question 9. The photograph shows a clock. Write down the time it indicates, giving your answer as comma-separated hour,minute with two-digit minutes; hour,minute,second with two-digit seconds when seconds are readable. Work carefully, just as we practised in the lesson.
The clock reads 8,13
